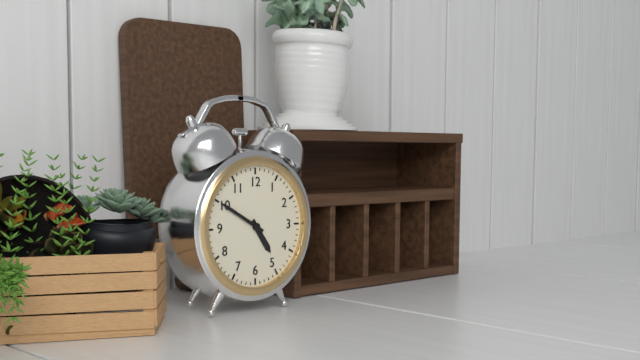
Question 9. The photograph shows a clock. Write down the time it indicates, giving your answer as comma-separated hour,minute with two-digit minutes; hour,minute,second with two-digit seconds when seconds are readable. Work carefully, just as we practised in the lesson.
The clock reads 4,50
